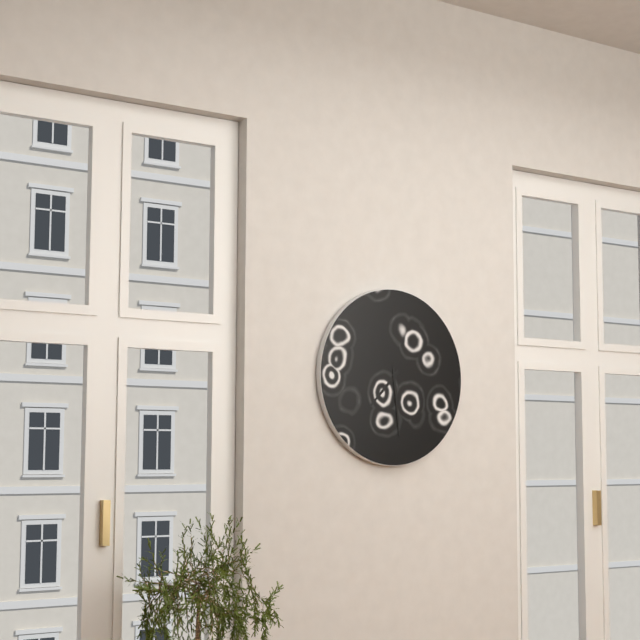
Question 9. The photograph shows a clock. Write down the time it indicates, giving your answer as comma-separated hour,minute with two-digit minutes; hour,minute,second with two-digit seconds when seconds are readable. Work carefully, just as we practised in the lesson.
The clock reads 7,29
